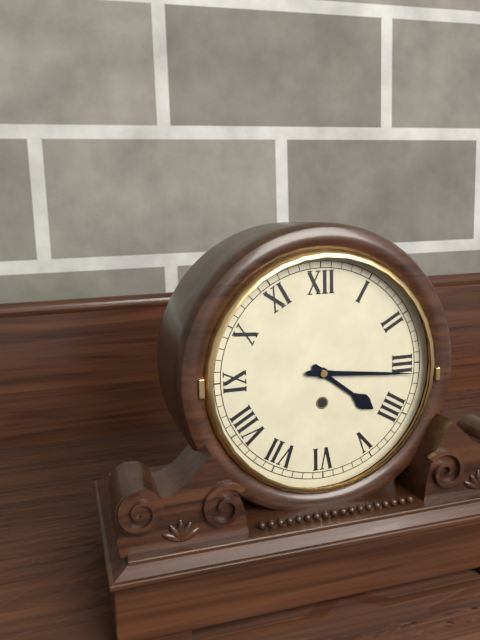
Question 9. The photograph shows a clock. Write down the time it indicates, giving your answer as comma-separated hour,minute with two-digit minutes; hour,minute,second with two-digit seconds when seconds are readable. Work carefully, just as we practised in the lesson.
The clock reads 4,16
